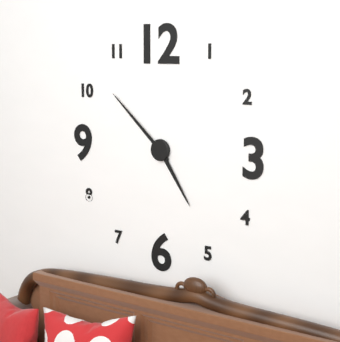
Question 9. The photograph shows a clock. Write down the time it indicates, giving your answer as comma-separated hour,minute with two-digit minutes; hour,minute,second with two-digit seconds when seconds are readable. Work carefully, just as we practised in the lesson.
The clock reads 4,52
